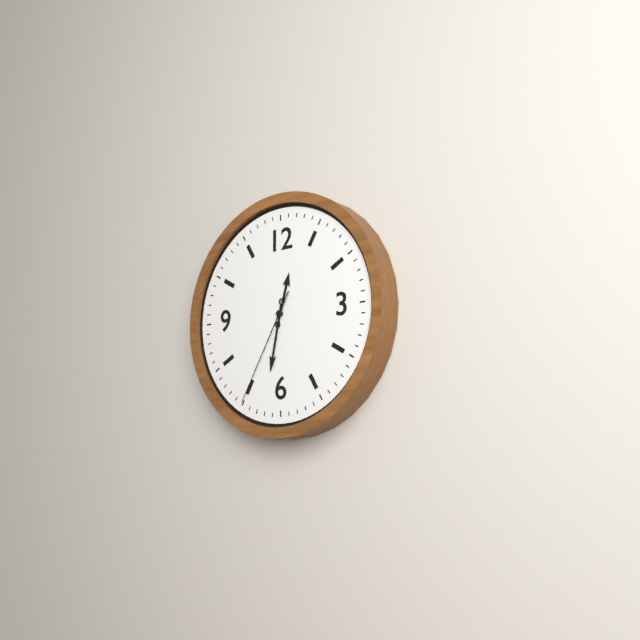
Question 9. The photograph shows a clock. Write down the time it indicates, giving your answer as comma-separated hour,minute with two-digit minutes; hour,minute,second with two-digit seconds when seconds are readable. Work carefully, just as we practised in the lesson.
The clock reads 12,32,35
